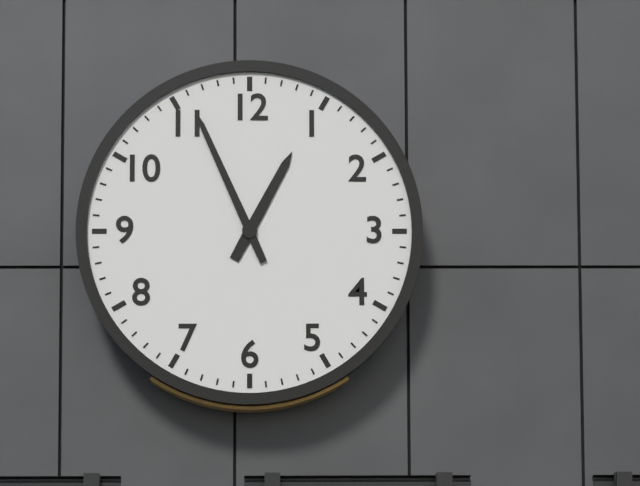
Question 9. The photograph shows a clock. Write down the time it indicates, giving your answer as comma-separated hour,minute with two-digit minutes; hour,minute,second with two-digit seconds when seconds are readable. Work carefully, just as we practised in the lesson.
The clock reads 12,56
